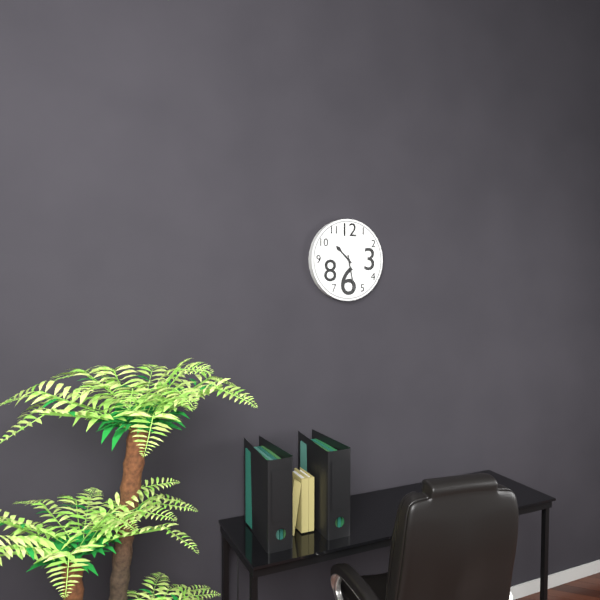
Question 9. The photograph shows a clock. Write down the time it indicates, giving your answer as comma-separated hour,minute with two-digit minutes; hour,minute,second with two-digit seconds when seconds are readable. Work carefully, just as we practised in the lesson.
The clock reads 10,28
